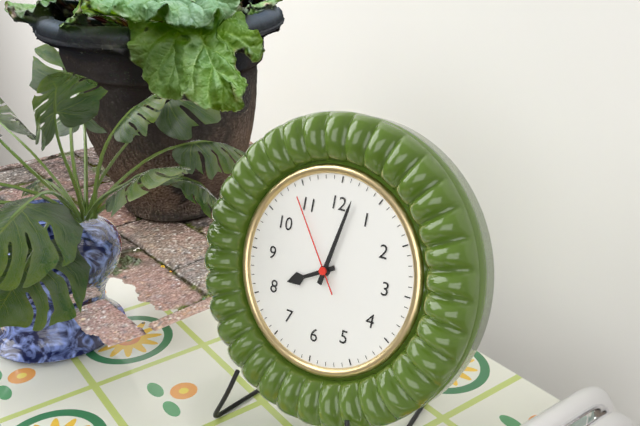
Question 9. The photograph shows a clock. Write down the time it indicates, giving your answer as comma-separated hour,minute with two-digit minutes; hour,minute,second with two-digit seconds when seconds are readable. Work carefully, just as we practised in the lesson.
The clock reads 8,02,54
